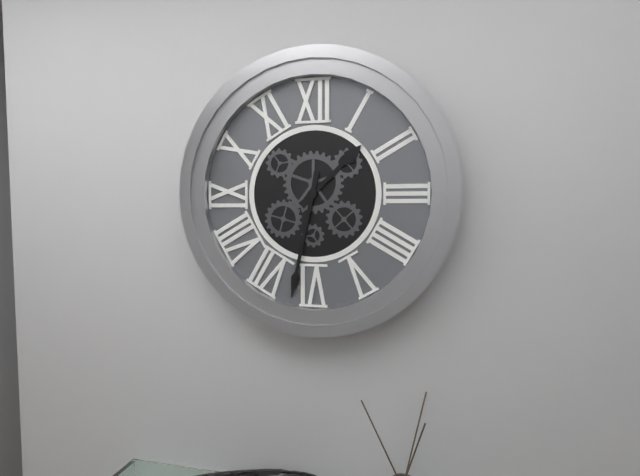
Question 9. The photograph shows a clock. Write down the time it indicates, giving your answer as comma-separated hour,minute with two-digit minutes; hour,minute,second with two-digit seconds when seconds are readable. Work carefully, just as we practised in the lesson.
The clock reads 1,32
